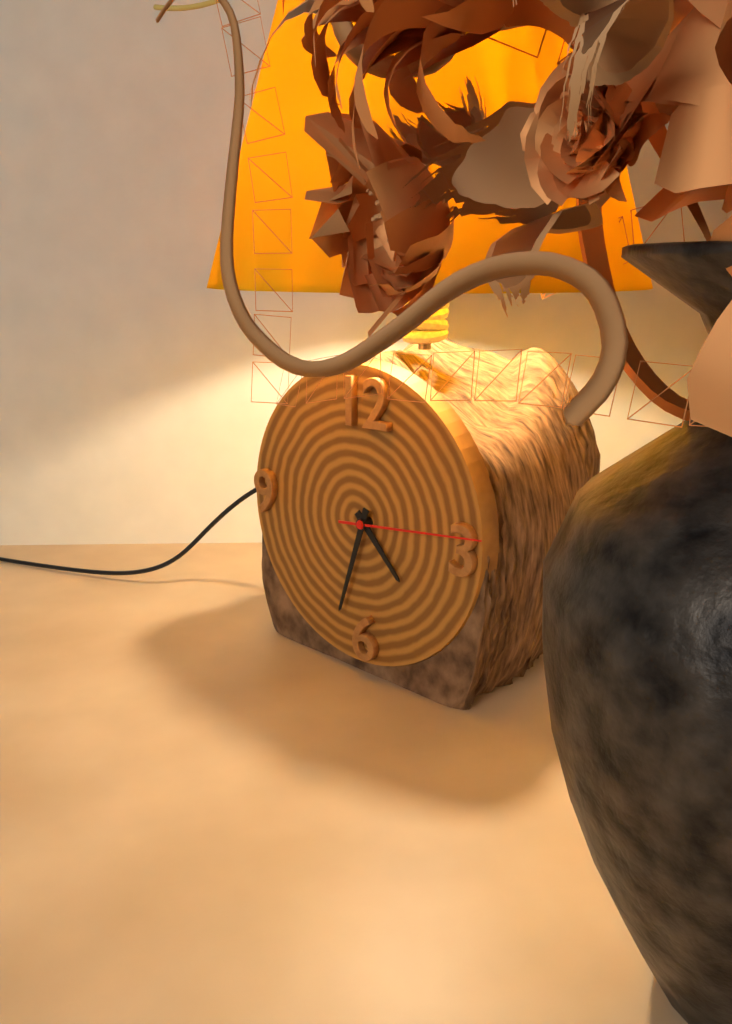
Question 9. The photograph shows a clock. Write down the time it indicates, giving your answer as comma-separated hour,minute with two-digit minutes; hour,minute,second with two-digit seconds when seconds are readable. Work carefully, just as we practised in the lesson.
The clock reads 4,33,14
